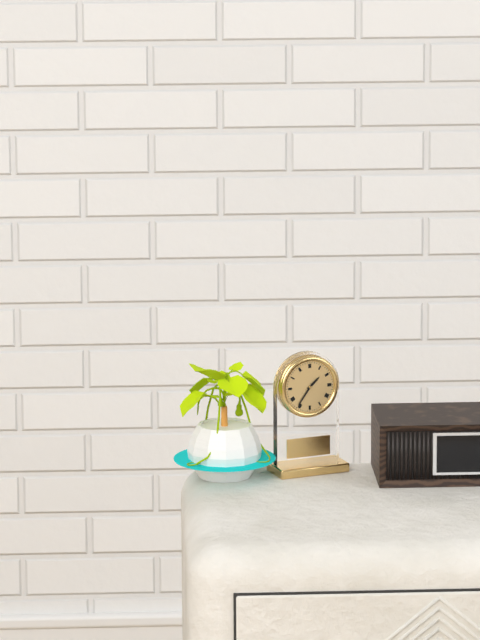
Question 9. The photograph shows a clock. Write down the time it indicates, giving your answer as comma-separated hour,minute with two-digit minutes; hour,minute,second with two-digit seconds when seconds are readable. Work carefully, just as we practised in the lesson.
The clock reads 1,36
